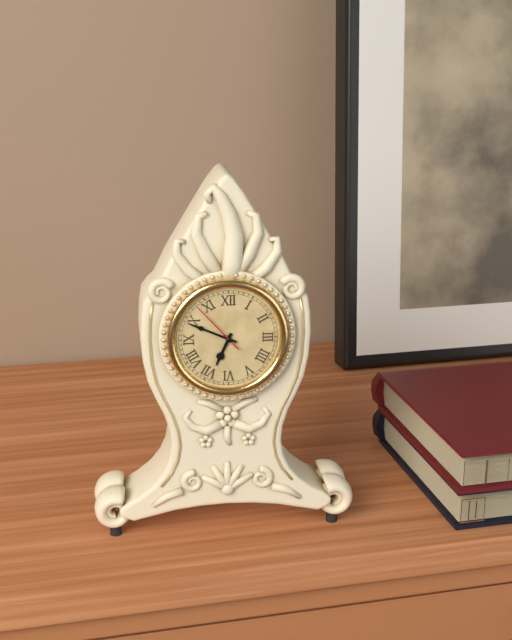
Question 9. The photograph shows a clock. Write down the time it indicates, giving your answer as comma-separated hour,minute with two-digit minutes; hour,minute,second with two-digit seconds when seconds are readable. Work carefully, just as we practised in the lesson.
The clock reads 6,49,53
